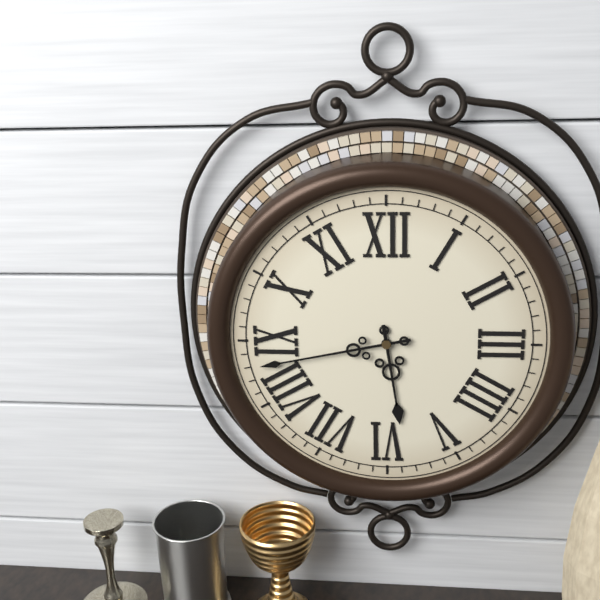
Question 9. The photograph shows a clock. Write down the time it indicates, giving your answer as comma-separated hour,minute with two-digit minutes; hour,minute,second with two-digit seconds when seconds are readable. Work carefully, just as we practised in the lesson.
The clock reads 5,43
